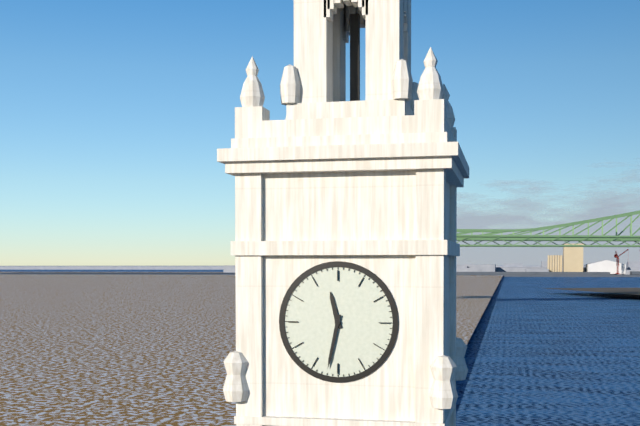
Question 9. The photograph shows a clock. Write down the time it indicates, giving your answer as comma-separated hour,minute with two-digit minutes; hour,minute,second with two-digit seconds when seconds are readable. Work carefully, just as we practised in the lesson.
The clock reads 11,32
